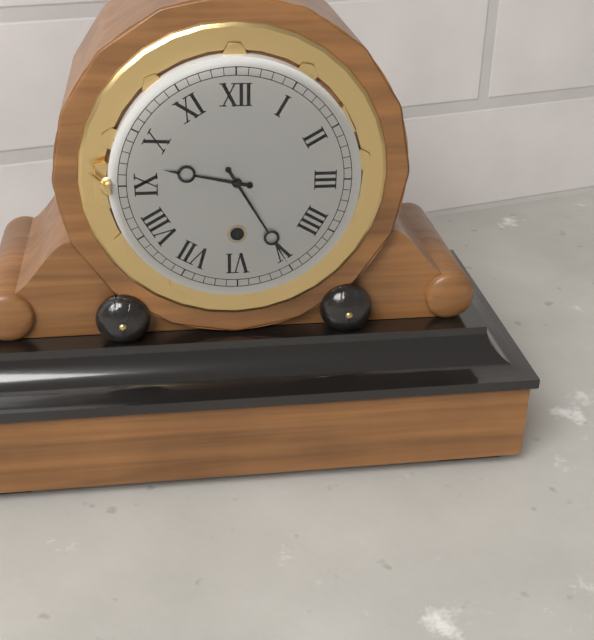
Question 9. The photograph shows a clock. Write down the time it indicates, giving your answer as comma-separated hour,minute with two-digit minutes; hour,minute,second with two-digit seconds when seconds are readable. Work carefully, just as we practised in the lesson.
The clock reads 9,25
